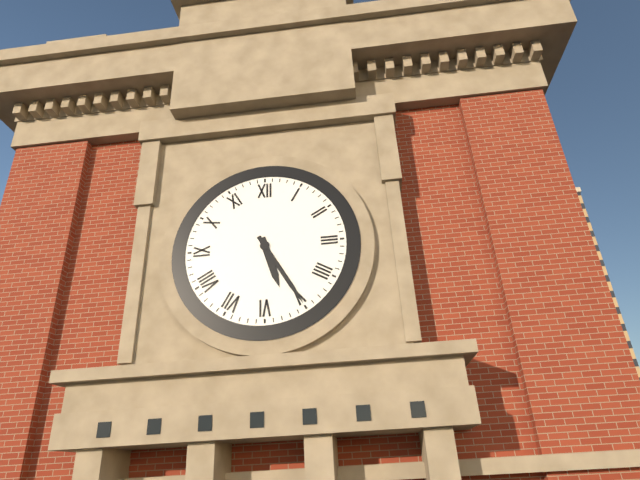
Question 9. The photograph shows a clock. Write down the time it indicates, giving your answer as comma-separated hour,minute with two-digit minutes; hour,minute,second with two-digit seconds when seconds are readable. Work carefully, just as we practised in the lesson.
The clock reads 5,25
